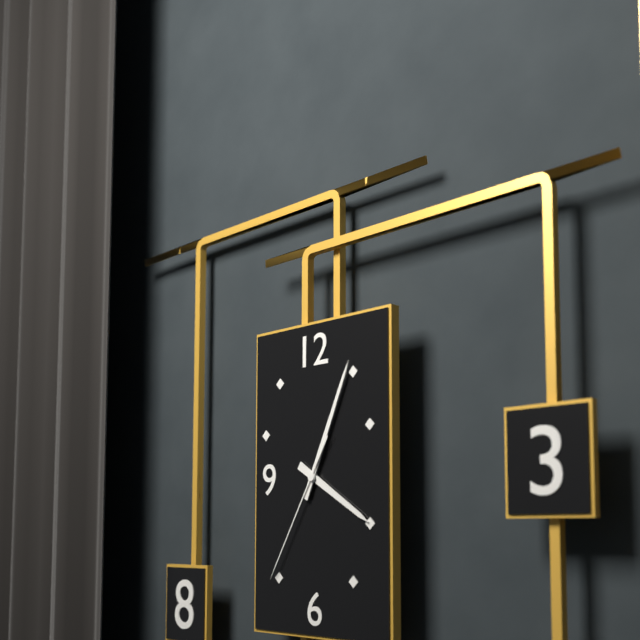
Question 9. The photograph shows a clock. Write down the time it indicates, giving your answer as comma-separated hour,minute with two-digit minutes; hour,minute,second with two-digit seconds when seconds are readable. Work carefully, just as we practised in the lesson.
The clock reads 4,04,35
